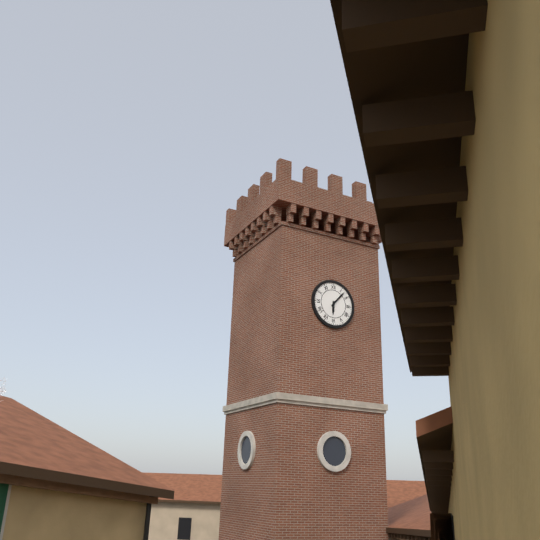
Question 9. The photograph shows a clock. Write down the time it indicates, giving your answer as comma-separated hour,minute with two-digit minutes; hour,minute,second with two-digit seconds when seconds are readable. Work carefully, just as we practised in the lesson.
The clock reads 6,07
